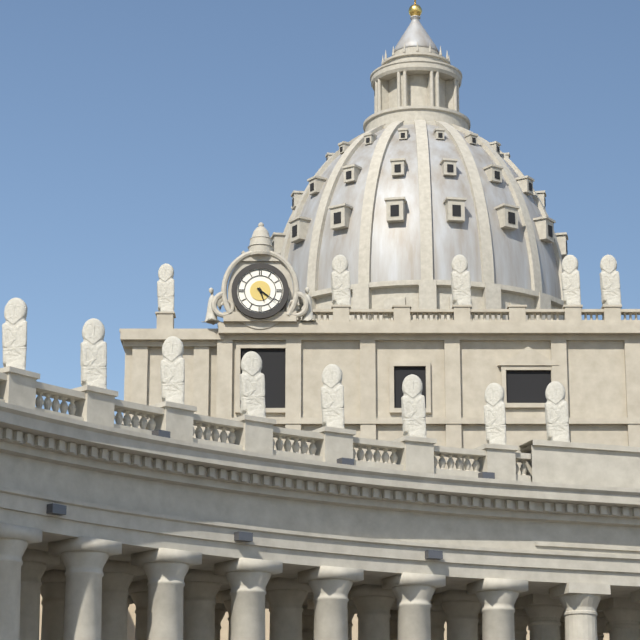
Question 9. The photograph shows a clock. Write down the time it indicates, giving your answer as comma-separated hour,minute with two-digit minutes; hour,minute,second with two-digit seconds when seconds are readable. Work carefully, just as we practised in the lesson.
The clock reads 5,21
